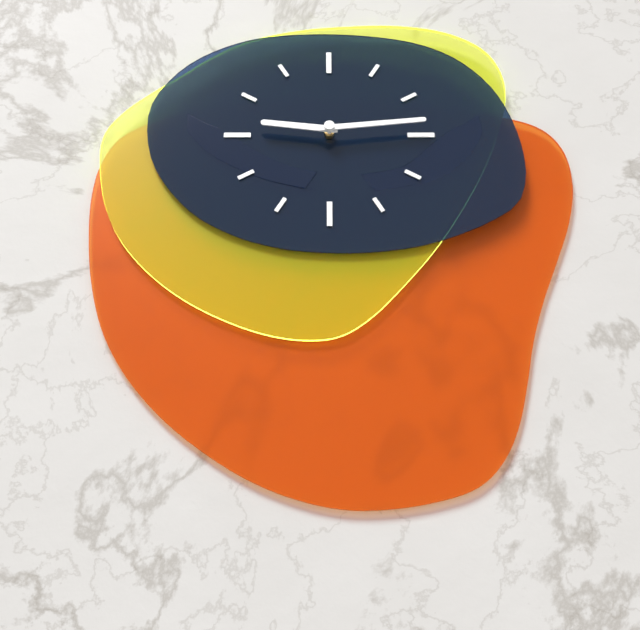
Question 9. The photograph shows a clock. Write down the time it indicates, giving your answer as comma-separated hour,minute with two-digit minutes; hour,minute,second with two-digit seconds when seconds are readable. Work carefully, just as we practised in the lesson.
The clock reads 9,14
